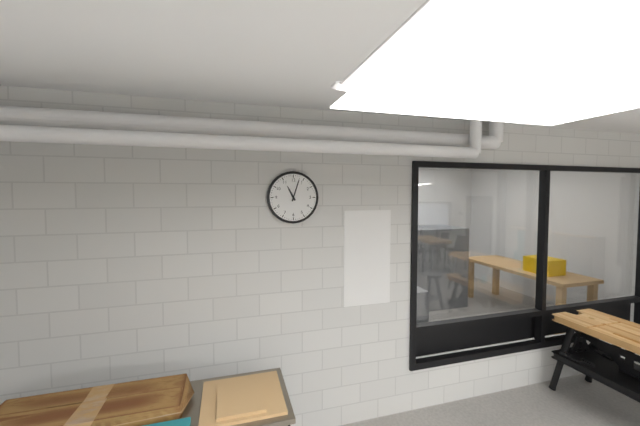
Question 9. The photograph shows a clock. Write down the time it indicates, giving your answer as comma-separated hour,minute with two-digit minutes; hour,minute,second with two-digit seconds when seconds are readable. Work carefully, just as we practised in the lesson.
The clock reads 11,03
